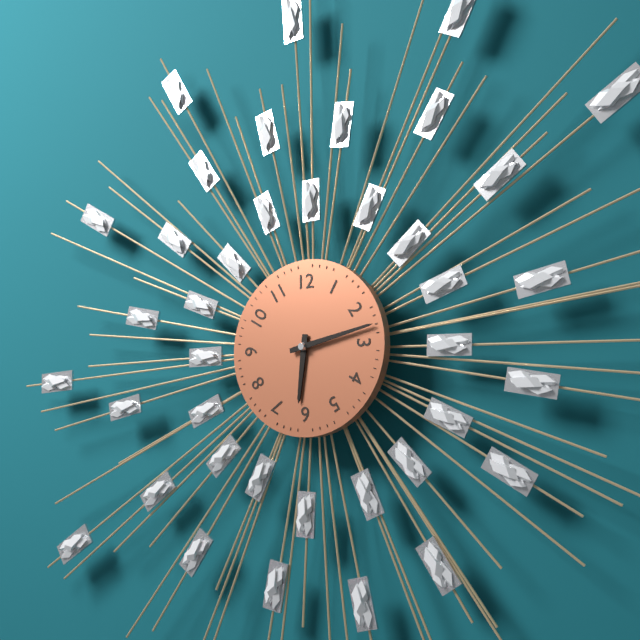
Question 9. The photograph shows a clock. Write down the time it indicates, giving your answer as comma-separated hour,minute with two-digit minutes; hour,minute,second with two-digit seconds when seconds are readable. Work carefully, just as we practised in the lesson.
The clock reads 6,13
